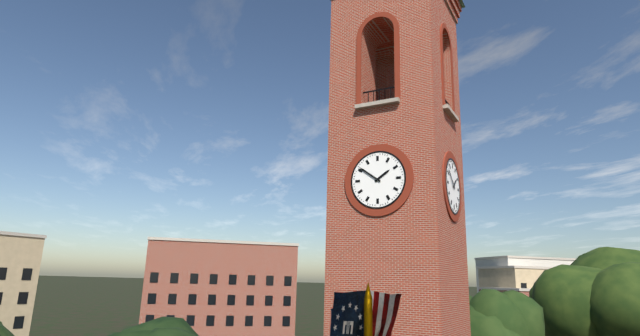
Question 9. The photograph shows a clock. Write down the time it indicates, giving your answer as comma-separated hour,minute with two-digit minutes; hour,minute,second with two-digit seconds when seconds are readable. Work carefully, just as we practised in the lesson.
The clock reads 1,51
